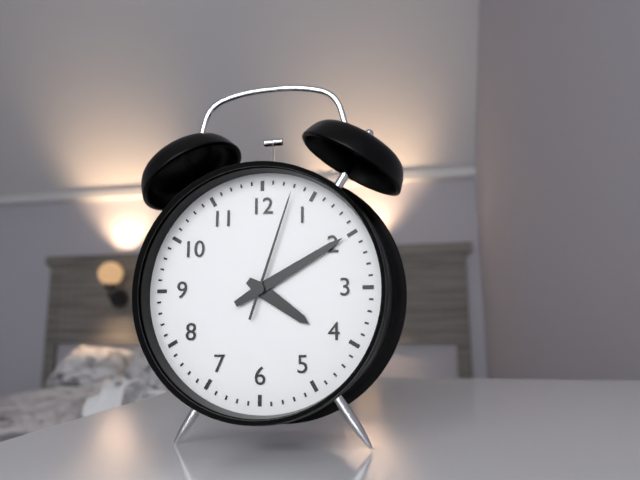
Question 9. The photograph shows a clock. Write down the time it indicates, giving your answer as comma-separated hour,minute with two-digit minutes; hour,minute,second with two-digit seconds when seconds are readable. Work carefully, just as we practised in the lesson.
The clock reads 4,10,03
